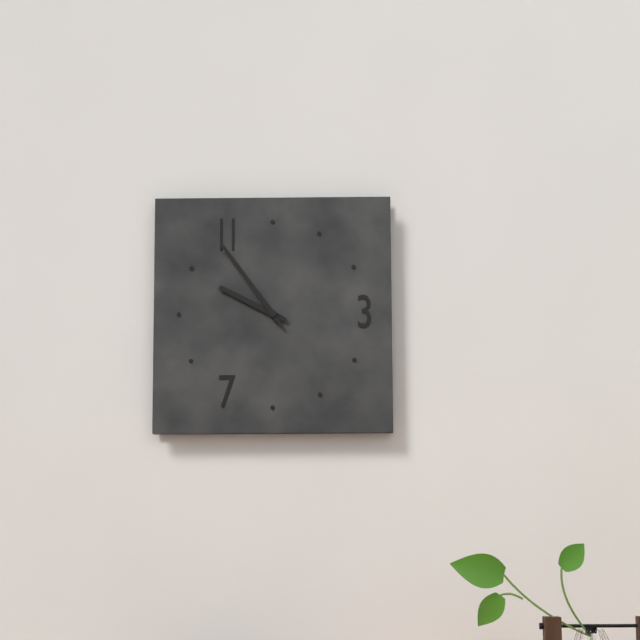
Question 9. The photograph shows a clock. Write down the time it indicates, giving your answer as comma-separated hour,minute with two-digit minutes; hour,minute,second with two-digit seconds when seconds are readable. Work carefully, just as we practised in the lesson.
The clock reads 9,54
